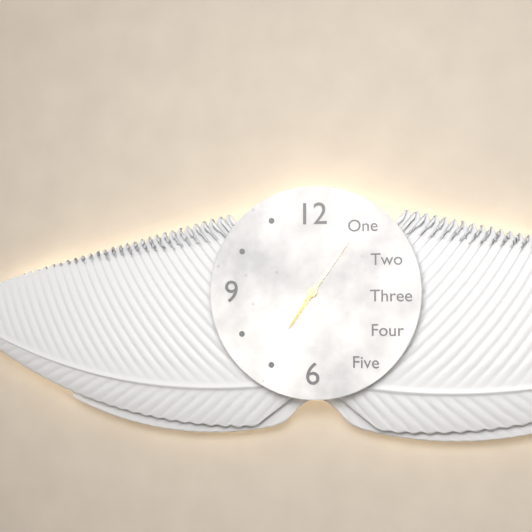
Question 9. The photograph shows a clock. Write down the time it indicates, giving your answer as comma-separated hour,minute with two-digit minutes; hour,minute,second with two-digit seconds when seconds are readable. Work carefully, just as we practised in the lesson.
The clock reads 7,06
